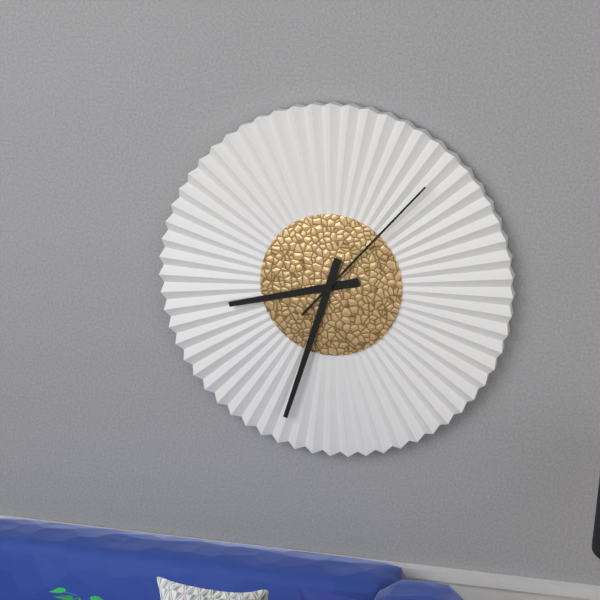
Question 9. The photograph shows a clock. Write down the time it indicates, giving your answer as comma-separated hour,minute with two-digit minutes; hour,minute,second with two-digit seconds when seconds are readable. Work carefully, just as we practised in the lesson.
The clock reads 8,33,07
